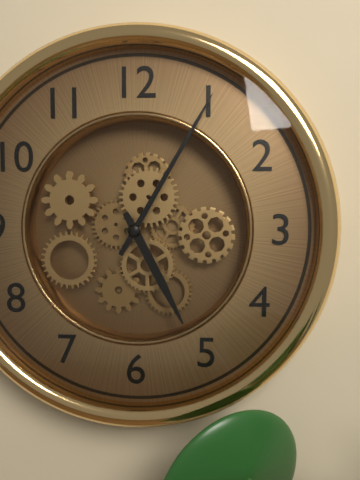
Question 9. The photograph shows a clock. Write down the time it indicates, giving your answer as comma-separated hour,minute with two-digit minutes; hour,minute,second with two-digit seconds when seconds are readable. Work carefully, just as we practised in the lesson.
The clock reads 5,05
